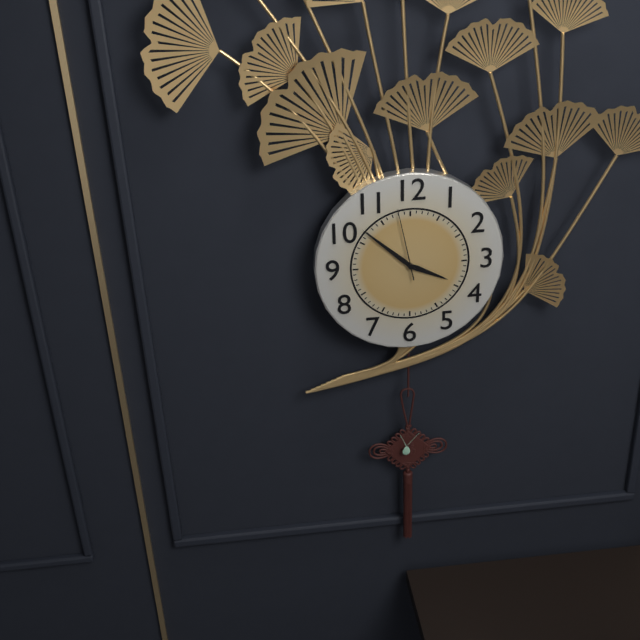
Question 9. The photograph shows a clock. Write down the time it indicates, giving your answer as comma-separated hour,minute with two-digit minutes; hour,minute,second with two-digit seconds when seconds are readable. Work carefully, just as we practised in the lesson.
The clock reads 3,52,58
